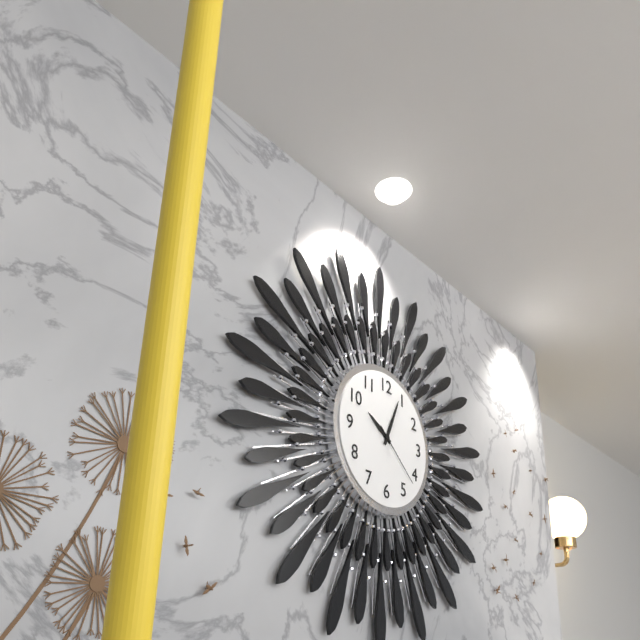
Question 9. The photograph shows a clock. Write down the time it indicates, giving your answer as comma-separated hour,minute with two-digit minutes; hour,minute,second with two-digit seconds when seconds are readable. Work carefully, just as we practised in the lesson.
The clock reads 10,04,22
